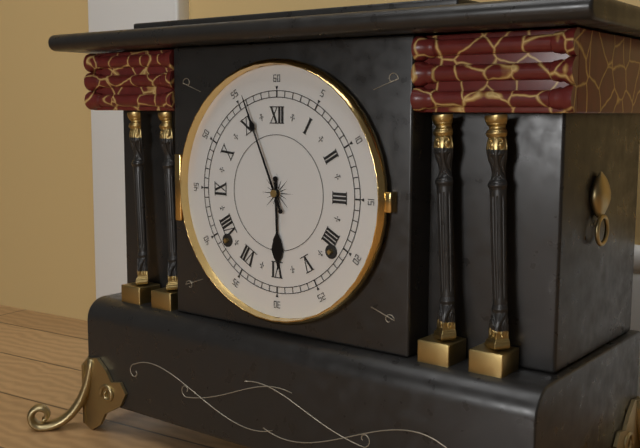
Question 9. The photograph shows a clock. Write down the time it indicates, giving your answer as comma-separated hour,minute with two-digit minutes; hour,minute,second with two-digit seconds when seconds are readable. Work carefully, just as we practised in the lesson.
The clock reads 5,56
